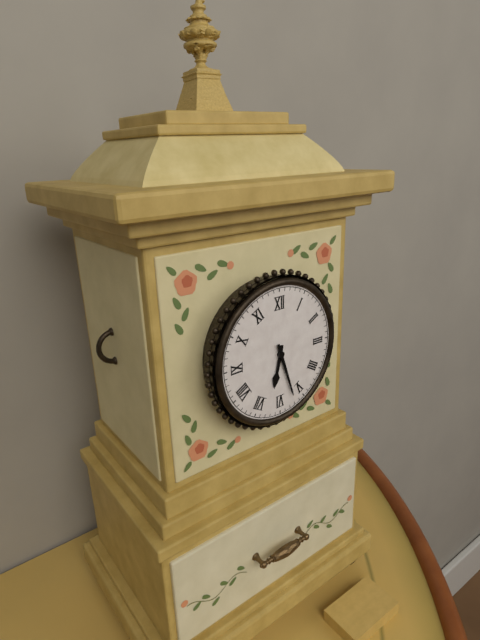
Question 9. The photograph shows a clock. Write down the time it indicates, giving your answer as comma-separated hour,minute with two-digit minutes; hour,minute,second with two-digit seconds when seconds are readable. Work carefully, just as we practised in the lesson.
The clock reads 6,27
